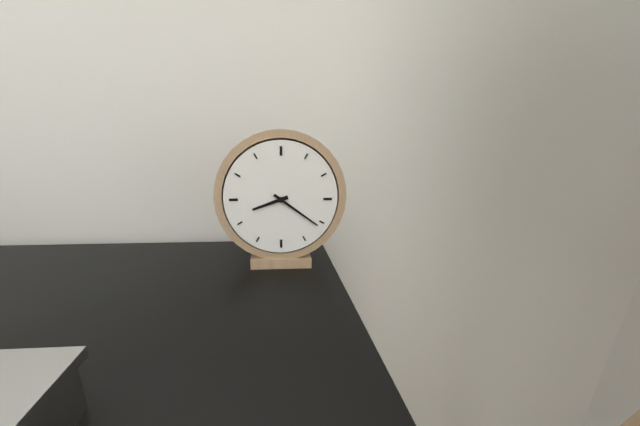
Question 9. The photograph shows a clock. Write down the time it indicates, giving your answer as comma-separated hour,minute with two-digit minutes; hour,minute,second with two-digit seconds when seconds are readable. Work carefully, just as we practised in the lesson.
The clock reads 8,21
